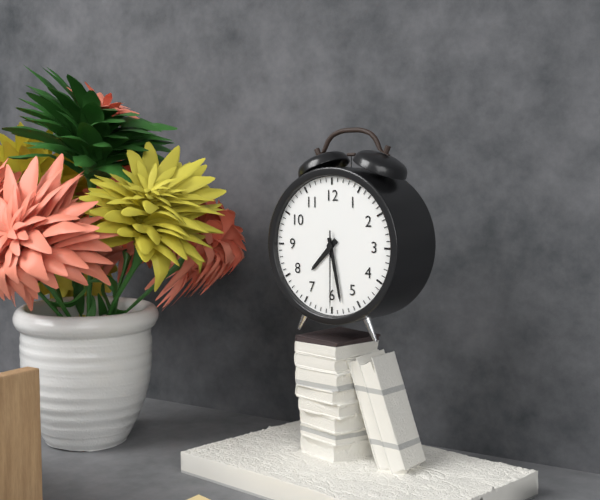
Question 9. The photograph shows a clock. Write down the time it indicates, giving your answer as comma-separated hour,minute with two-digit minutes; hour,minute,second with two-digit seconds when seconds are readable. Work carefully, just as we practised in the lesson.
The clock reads 7,28,30
